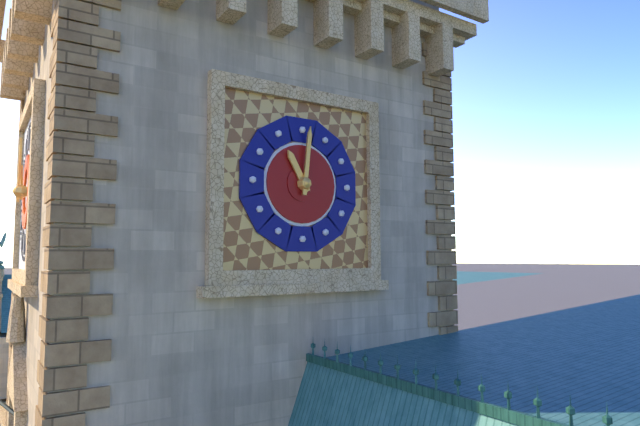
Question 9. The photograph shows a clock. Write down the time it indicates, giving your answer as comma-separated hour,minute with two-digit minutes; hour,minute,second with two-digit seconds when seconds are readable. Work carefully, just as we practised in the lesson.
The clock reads 11,01
